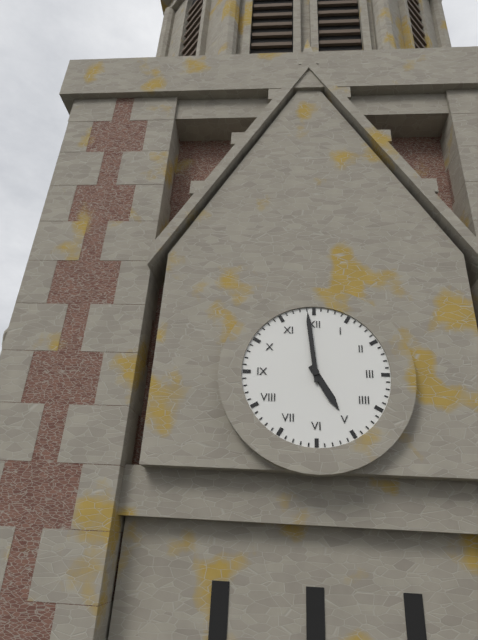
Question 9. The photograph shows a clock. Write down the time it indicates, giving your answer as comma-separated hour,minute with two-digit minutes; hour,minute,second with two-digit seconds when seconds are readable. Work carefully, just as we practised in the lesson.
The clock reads 4,59
